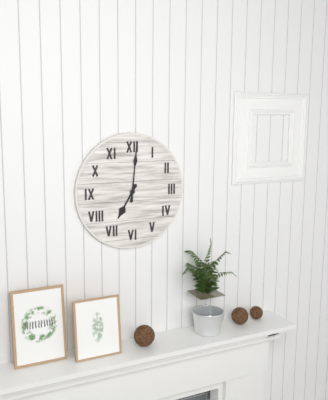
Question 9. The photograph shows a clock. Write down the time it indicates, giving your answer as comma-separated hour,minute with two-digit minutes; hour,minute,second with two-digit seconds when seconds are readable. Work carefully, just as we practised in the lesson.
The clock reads 7,01
